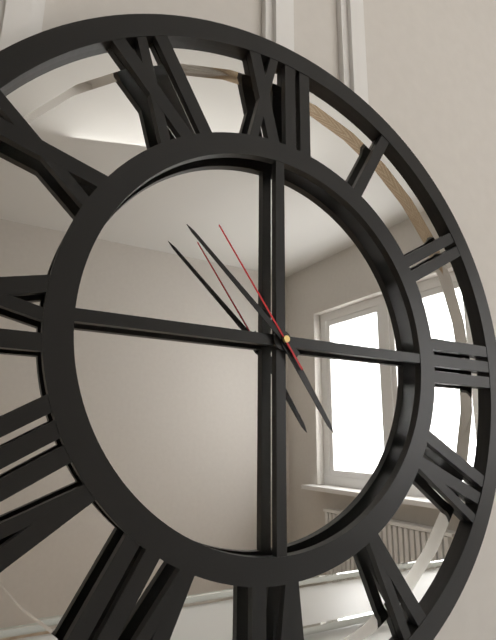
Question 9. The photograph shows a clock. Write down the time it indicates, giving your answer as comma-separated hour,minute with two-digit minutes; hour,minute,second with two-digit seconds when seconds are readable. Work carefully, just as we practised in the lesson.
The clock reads 4,52,54
